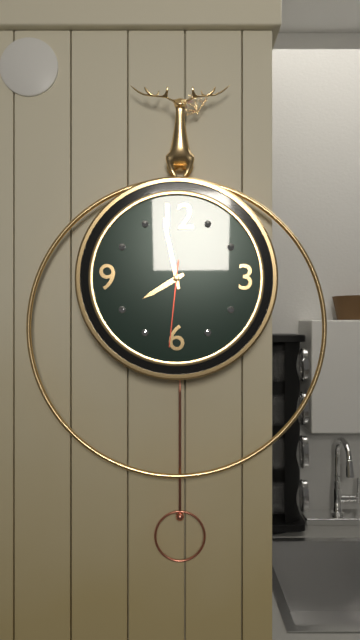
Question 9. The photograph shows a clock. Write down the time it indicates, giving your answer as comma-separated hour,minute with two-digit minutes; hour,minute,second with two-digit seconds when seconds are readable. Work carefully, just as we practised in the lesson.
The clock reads 7,58,31
